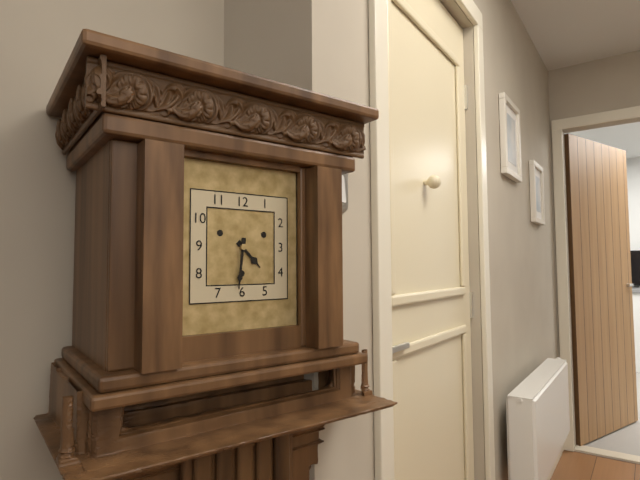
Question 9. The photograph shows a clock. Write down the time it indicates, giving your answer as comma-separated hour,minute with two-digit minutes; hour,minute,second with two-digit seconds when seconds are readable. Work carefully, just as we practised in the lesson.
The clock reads 4,31
